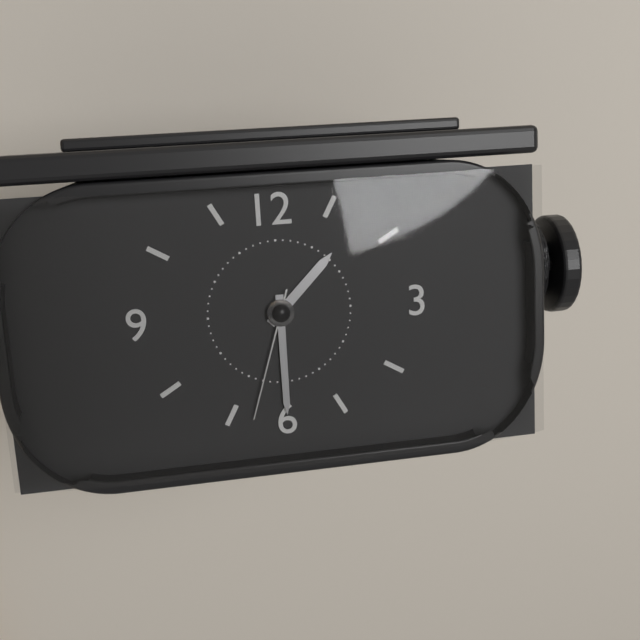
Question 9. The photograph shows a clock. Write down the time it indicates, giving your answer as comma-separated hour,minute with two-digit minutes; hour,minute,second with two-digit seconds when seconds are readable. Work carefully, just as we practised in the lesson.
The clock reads 1,30,33
